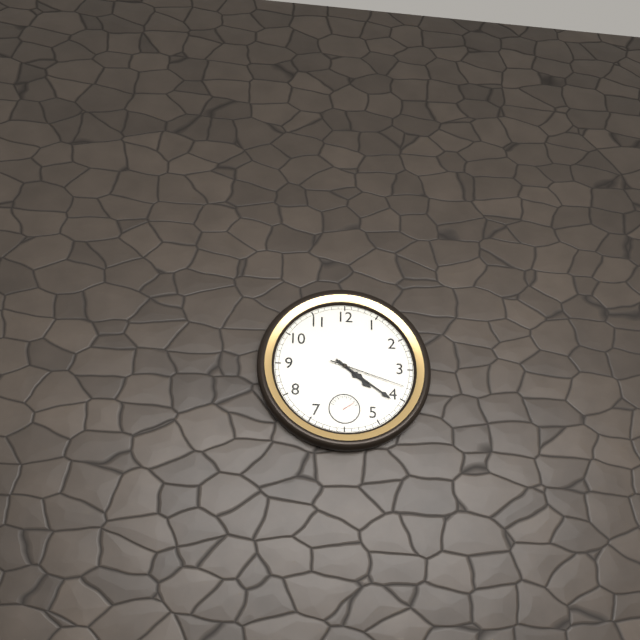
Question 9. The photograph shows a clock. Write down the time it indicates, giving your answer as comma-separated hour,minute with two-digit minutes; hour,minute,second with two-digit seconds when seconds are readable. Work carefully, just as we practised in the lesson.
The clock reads 4,21,18
